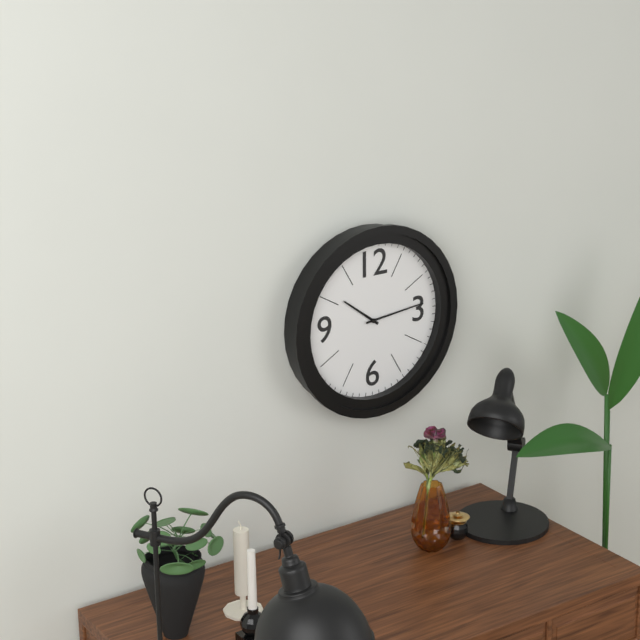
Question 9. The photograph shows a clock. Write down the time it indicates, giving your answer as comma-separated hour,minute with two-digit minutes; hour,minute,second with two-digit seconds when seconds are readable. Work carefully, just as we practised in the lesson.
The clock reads 10,14
